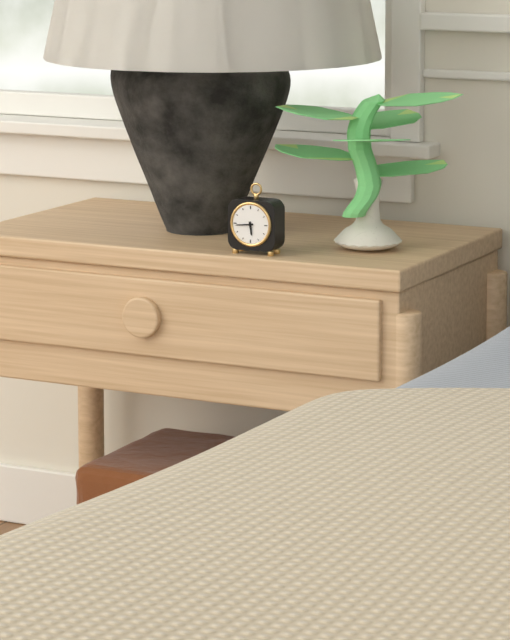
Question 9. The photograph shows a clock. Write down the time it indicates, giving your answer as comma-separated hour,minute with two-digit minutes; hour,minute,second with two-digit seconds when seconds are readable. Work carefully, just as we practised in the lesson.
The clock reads 5,44
